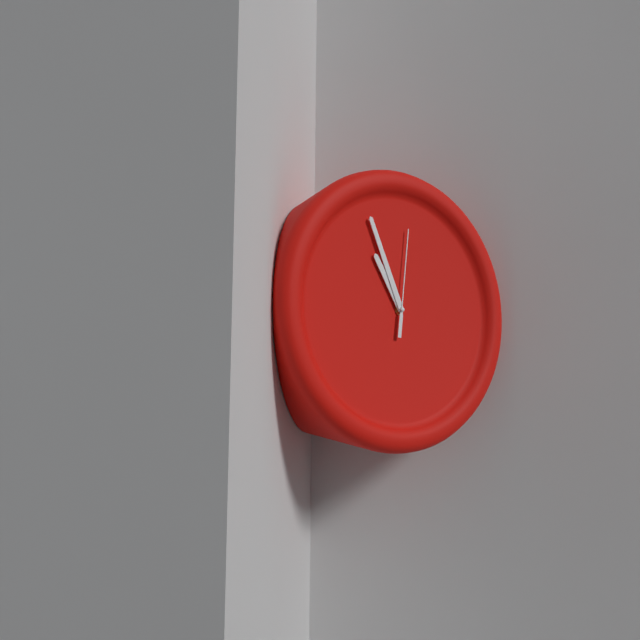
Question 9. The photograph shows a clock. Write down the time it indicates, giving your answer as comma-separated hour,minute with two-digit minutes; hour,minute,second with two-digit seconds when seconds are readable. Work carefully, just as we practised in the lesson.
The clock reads 10,56,01
